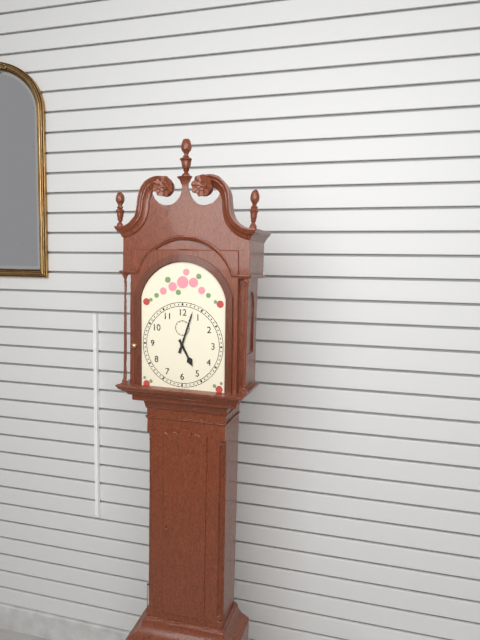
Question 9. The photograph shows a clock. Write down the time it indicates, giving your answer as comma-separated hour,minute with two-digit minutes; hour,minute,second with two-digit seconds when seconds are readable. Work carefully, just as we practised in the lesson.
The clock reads 5,03
